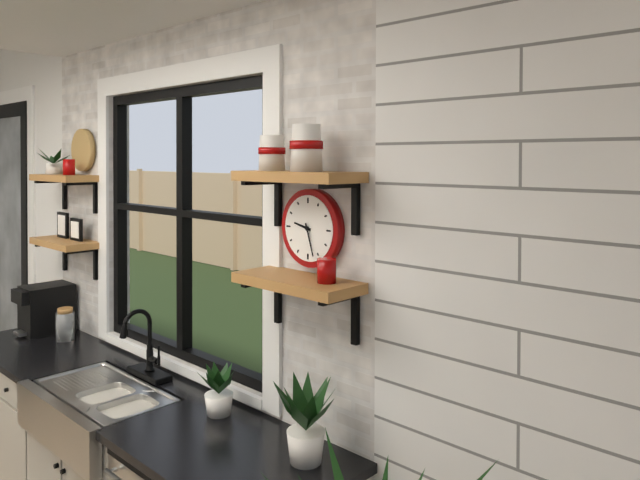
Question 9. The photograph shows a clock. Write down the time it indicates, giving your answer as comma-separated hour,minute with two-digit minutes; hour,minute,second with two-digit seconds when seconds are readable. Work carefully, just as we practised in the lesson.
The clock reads 9,27
